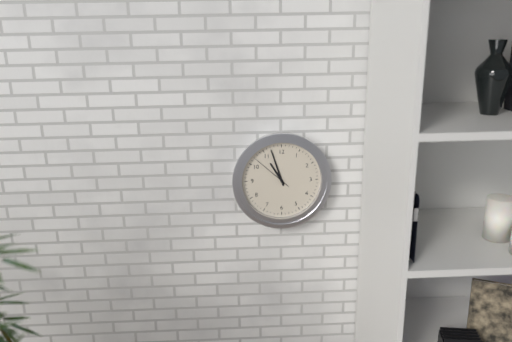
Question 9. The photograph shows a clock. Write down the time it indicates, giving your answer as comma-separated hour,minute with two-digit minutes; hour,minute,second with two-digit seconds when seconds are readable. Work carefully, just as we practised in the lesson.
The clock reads 10,57
